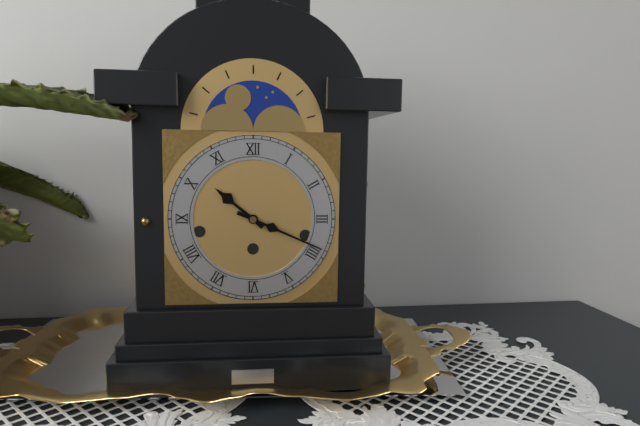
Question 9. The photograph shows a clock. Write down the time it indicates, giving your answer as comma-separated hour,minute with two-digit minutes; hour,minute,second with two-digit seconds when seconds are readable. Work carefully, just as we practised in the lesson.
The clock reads 10,19
